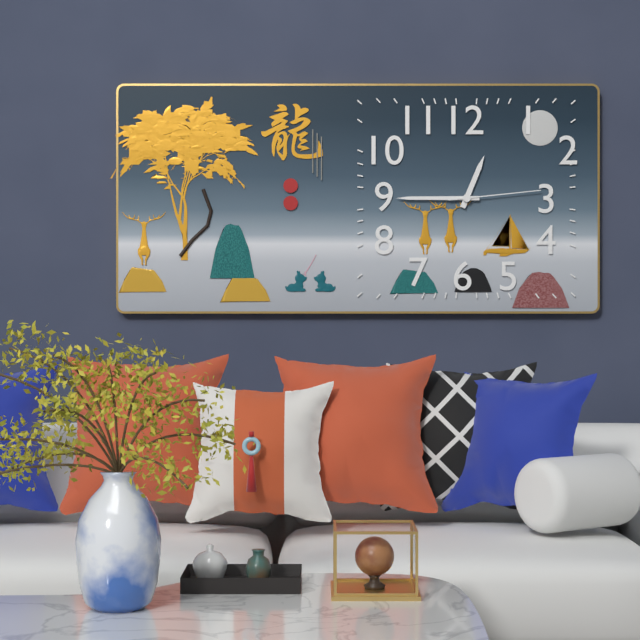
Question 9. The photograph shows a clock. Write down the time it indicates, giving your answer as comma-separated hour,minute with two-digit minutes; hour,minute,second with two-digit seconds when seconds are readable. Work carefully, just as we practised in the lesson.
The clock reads 12,45,14
